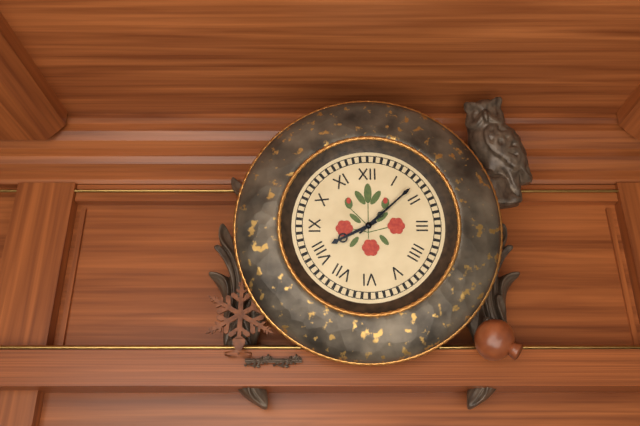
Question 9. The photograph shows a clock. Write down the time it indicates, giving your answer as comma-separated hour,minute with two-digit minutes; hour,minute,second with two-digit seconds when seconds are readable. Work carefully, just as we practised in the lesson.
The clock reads 8,08
